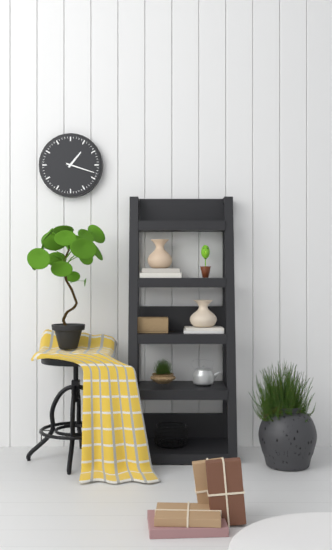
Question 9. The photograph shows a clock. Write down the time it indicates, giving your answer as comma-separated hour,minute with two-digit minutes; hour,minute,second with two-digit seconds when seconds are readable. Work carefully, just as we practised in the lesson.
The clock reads 1,18
